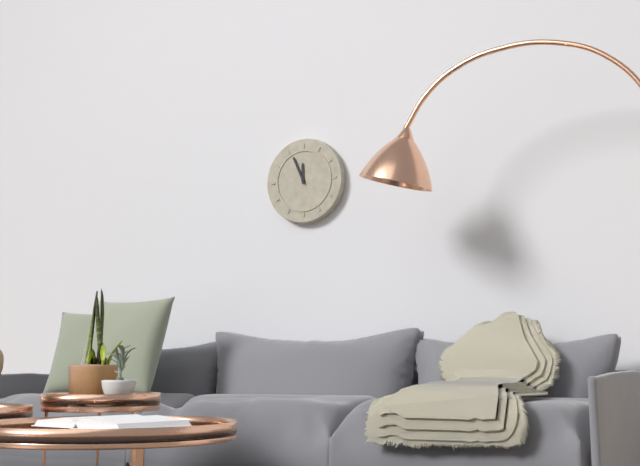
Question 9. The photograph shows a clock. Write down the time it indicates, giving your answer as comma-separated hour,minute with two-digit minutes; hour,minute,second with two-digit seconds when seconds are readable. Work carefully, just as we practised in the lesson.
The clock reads 11,56
